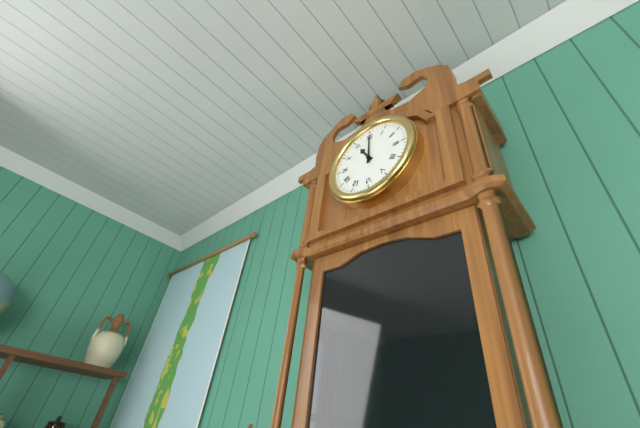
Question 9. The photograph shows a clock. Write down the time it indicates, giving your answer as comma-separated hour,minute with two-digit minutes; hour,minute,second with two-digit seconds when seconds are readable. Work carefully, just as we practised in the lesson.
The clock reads 11,00
